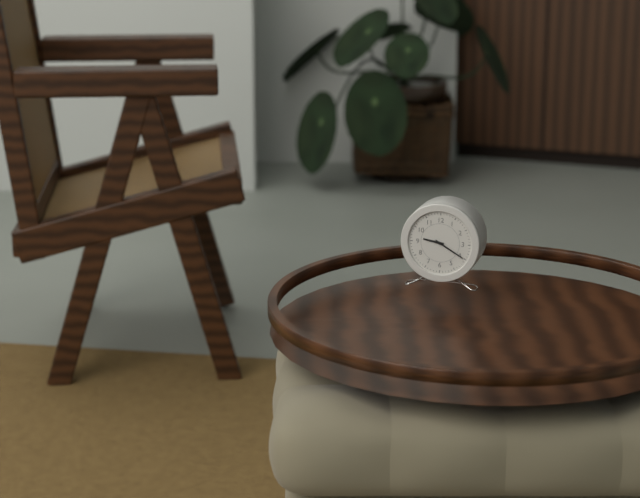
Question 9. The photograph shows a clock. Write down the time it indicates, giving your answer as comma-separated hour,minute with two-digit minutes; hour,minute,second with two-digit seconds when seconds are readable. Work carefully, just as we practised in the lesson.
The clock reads 9,20
